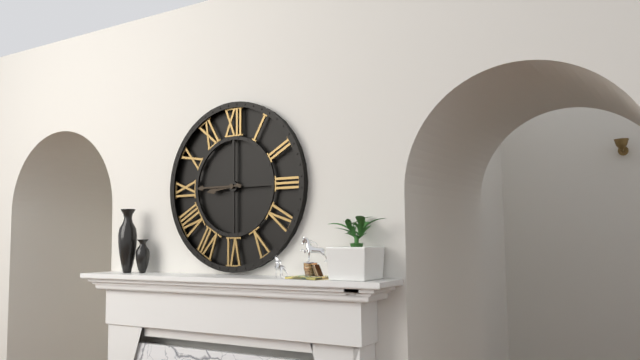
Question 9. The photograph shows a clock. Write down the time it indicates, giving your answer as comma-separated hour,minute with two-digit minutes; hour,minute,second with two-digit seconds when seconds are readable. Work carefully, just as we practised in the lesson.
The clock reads 8,45
